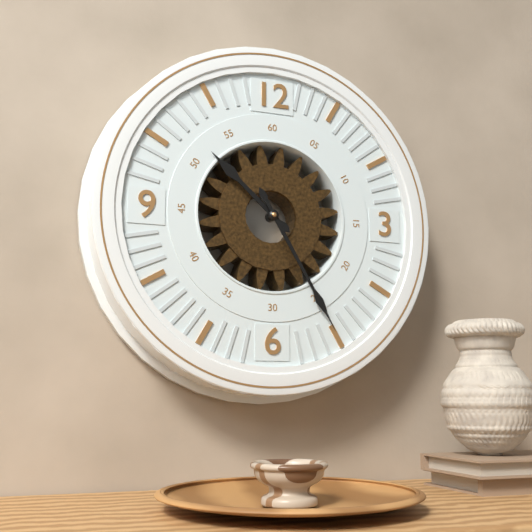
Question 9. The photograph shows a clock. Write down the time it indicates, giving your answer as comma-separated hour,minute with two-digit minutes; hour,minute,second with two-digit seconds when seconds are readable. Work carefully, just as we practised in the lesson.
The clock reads 10,25
